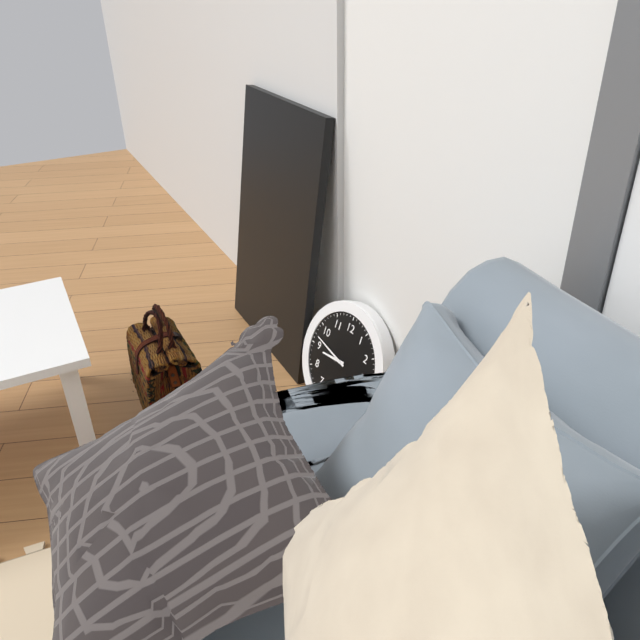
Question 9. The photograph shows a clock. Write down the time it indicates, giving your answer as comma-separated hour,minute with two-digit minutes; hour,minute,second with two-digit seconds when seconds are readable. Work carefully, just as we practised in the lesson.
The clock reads 8,47
